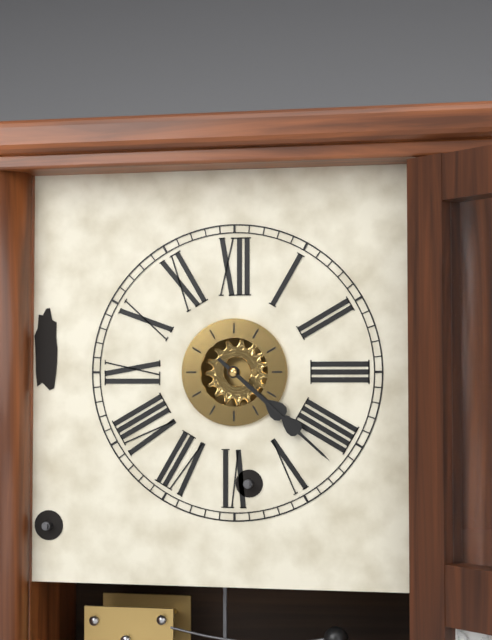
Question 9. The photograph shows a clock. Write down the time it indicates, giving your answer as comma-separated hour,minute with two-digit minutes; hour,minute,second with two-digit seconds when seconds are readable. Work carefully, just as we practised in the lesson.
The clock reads 4,22
